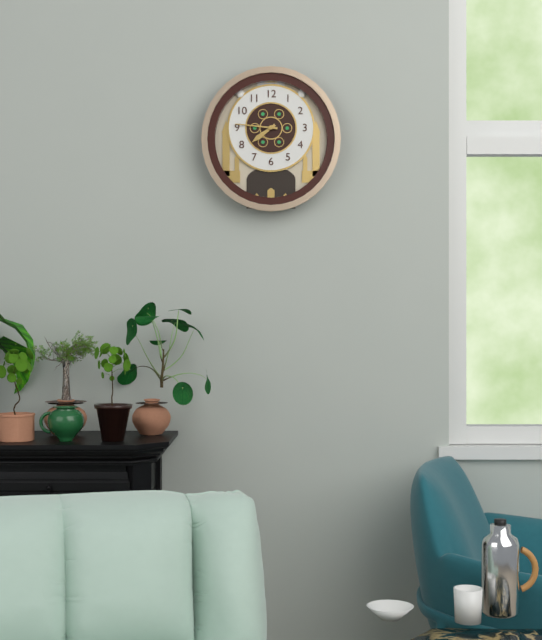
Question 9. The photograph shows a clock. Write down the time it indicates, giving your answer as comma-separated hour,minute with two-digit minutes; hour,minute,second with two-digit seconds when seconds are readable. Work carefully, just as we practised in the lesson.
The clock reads 7,46
